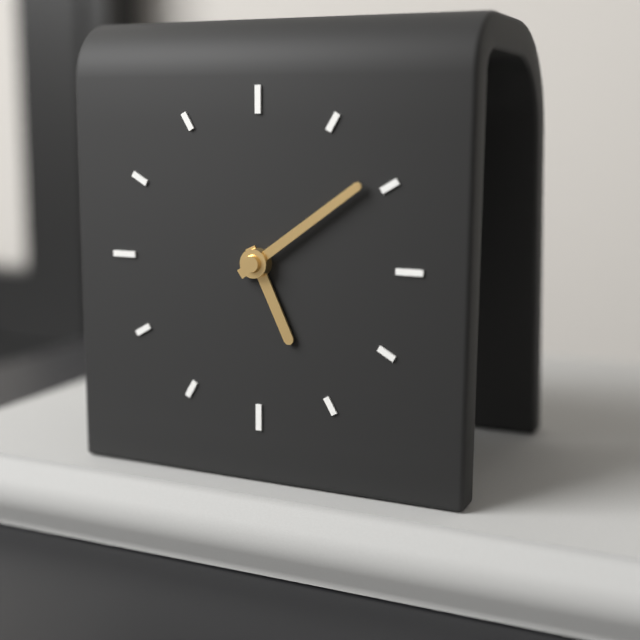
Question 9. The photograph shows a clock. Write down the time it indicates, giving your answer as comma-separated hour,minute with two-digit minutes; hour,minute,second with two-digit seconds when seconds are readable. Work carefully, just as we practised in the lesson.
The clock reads 5,09
